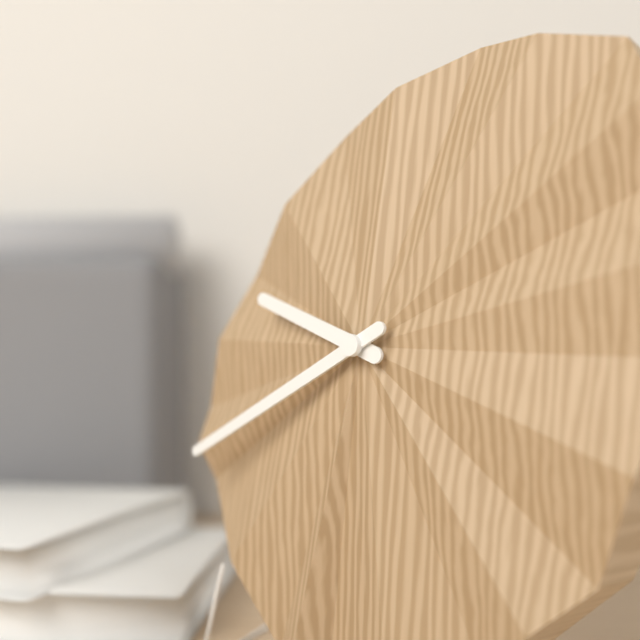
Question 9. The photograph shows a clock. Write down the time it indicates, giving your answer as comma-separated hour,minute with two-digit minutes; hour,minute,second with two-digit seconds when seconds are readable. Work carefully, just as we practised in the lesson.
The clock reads 9,40
